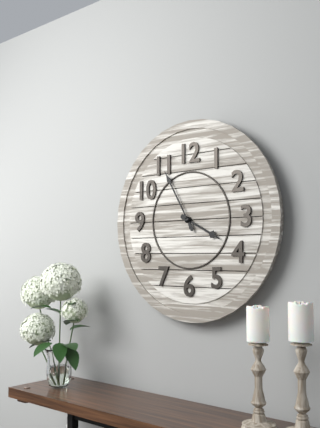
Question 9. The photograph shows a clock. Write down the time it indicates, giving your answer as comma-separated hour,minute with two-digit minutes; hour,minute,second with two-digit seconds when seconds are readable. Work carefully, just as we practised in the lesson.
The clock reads 3,55
